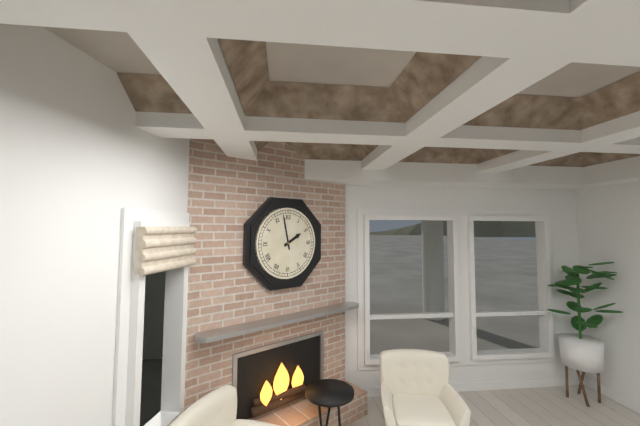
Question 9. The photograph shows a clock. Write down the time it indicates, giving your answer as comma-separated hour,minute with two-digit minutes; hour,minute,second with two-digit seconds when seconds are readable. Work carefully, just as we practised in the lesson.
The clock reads 1,58
